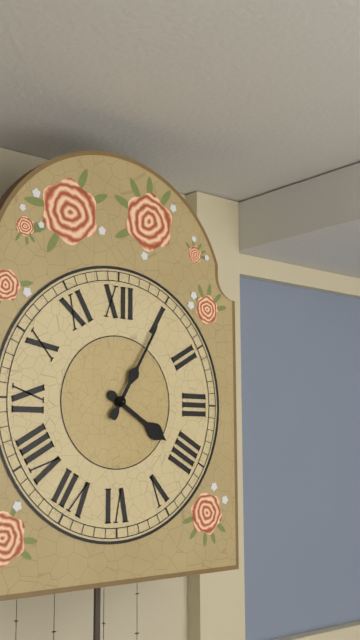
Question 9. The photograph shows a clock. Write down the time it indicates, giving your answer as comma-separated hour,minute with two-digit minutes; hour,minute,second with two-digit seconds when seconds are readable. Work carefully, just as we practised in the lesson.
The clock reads 4,05
